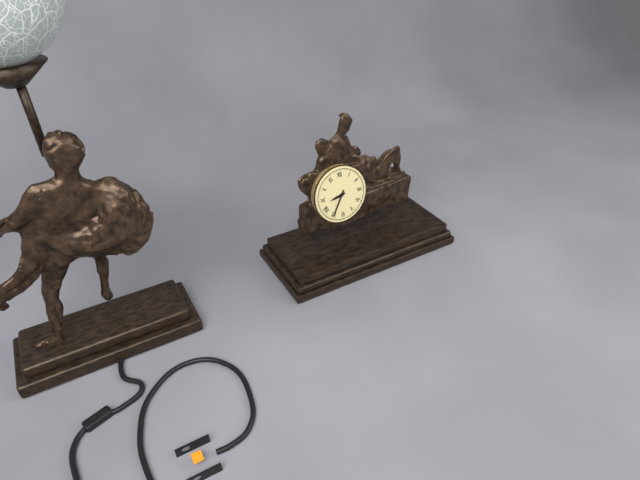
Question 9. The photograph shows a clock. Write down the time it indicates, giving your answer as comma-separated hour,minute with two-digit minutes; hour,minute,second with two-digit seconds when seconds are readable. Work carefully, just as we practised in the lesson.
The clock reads 8,35
